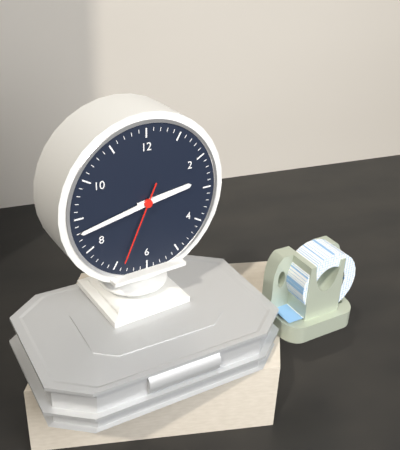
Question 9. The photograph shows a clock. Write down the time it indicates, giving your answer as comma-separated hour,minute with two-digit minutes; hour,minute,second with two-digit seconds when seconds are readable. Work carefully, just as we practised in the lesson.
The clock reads 2,43,34
